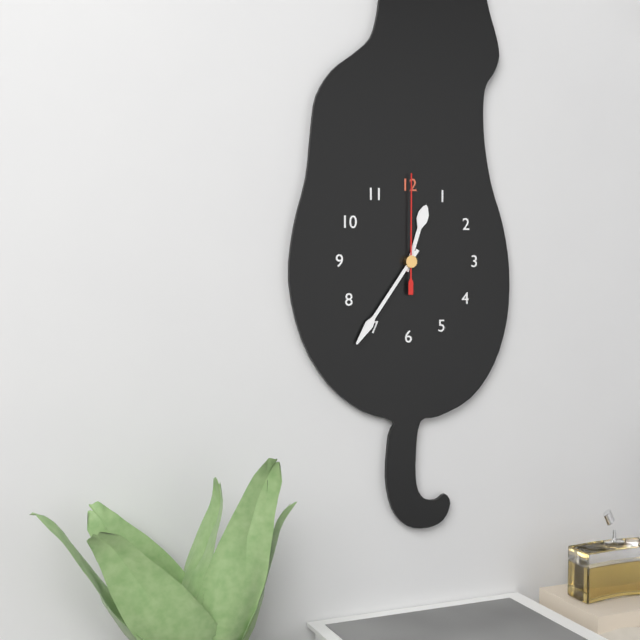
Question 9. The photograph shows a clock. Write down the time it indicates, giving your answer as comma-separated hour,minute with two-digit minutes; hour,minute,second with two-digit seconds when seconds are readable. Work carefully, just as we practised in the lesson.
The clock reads 12,36,00
